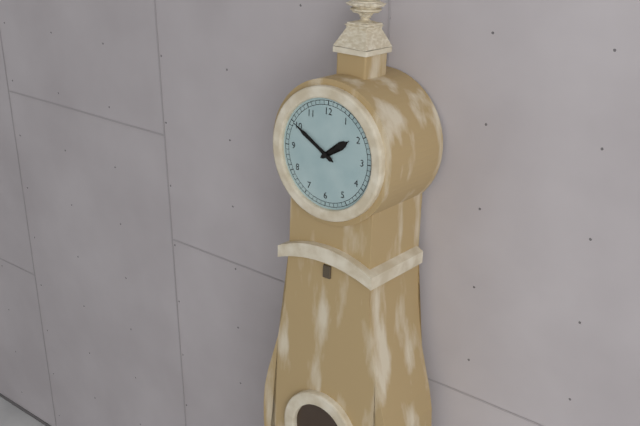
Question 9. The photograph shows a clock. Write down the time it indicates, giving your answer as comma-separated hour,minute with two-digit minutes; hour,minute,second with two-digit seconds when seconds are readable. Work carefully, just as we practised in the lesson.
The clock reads 1,50
